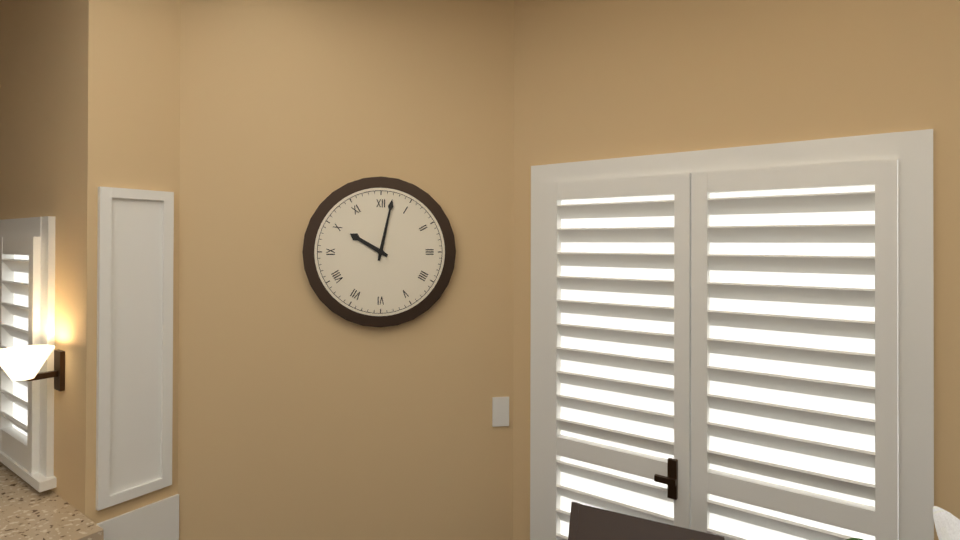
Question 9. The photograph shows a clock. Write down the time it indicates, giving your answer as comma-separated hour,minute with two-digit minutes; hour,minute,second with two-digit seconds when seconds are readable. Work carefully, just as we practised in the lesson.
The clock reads 10,02
